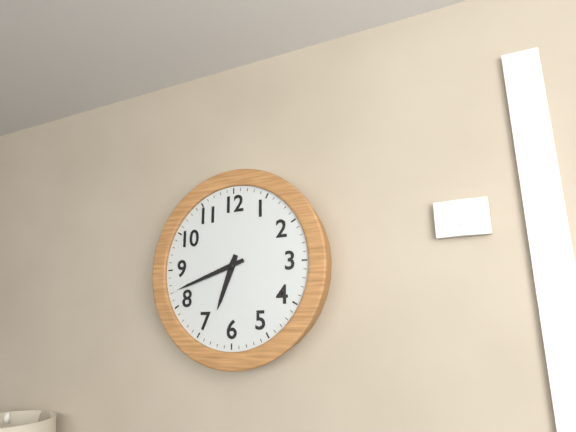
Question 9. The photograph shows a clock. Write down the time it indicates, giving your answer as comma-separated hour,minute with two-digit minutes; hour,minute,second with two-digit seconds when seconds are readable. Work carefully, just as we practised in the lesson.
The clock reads 6,42
